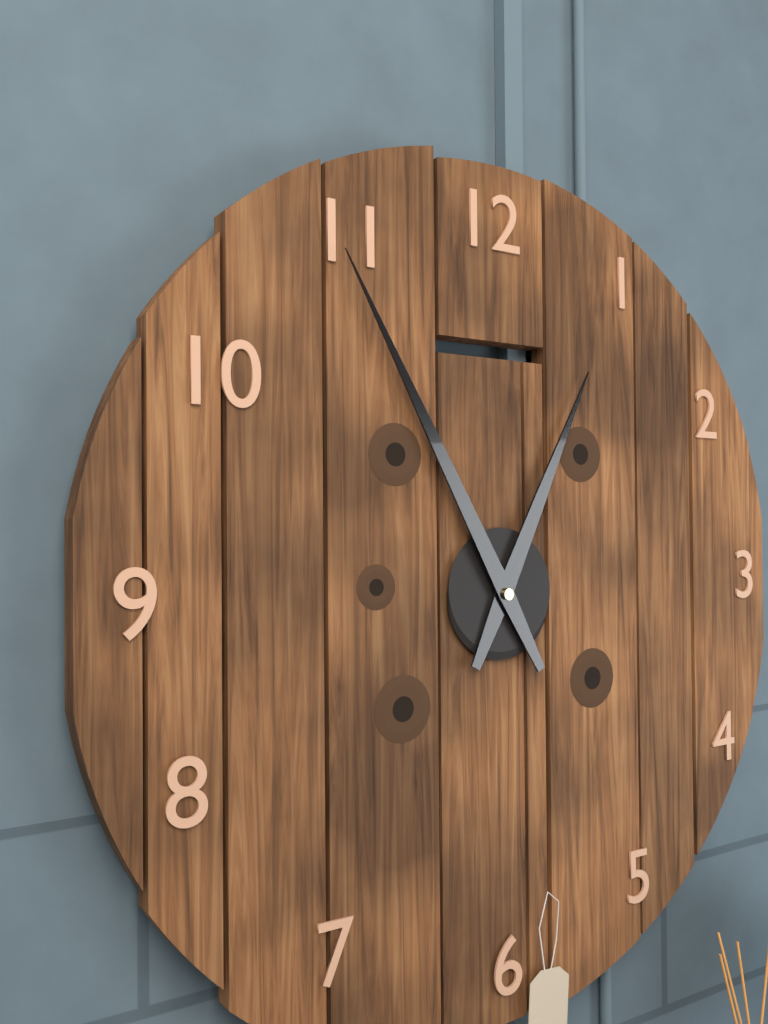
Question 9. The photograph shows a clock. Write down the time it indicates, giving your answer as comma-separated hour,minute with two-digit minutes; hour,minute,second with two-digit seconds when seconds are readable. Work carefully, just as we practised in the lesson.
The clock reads 12,55
